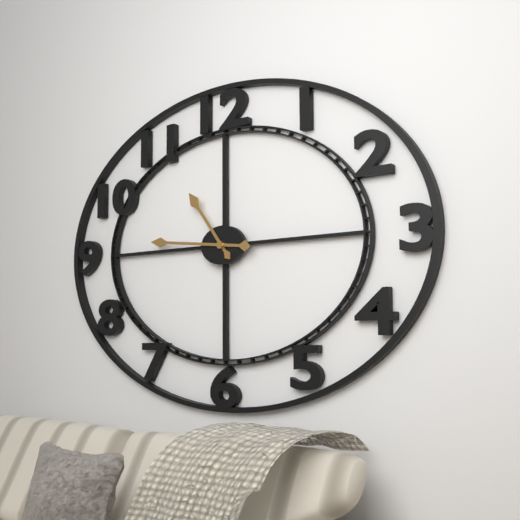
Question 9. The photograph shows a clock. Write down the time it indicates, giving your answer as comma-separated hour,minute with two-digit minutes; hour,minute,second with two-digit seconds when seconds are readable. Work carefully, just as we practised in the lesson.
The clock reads 10,46
